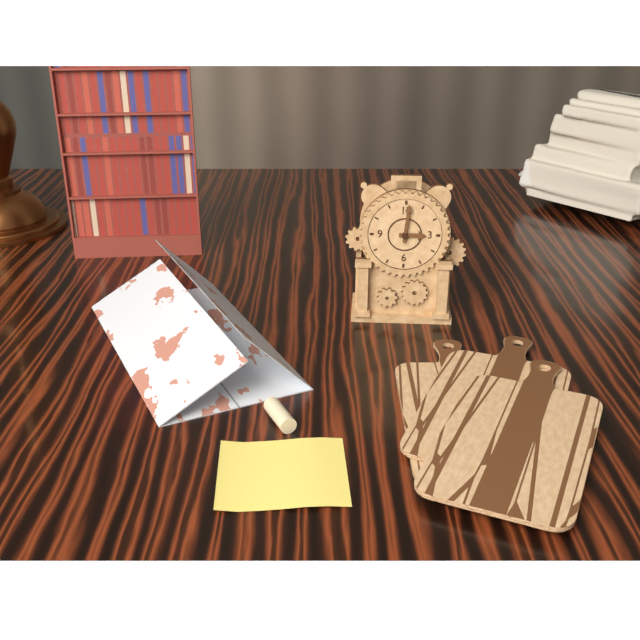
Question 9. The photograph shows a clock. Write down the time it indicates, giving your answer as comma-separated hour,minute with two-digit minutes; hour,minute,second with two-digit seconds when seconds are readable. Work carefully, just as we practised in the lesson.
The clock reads 3,01
